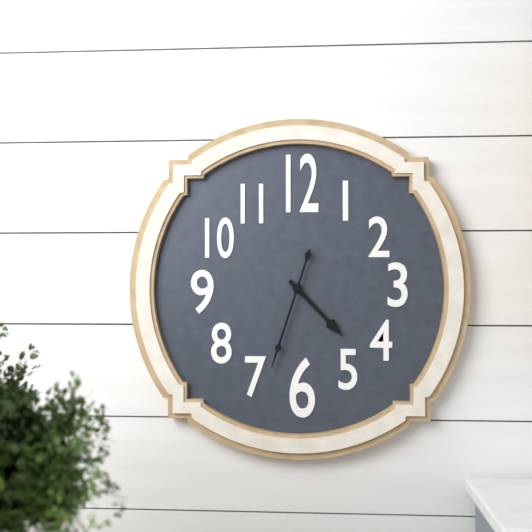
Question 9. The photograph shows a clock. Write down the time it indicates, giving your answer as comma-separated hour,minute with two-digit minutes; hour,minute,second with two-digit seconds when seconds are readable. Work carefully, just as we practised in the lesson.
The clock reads 4,33
